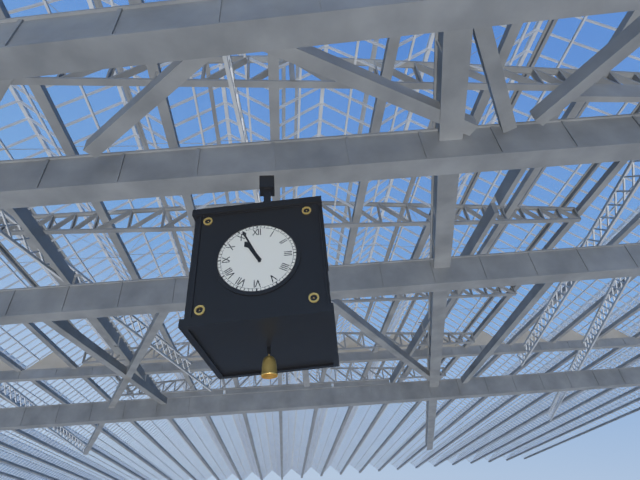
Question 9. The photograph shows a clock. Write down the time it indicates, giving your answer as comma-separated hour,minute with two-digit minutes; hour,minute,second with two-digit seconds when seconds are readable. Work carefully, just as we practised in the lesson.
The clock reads 10,56
